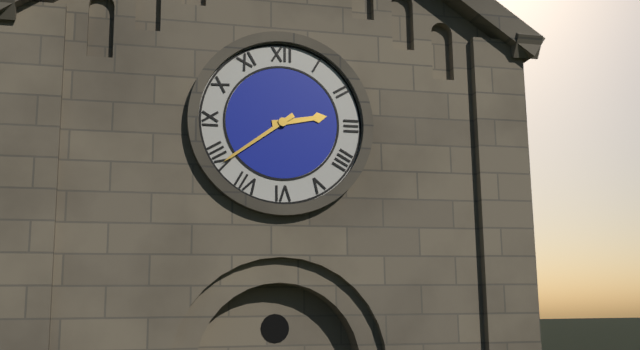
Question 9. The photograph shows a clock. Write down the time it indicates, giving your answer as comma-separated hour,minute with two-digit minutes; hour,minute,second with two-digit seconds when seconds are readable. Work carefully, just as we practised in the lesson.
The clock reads 2,39
